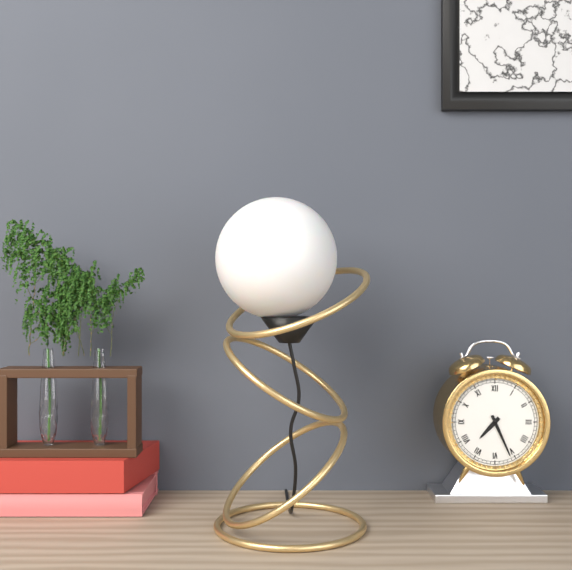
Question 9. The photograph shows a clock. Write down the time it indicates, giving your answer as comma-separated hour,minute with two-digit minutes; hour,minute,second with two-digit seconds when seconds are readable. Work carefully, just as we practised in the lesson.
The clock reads 7,26
